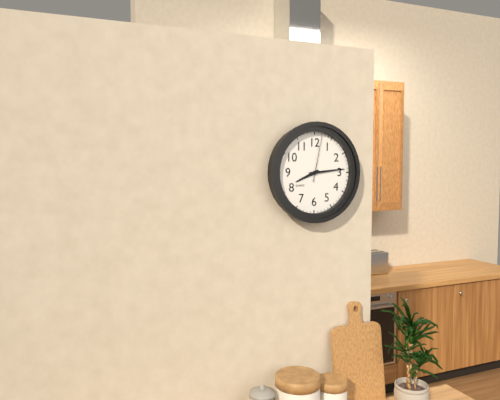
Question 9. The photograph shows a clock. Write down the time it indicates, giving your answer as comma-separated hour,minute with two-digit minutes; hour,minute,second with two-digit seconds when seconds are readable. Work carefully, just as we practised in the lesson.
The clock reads 8,14
